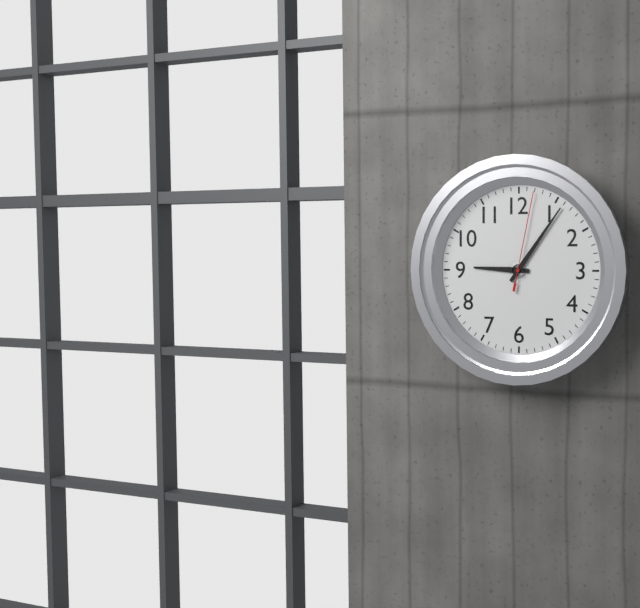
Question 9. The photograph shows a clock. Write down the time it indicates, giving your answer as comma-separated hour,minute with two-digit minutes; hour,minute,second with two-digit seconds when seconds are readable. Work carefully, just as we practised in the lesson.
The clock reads 9,06,02
